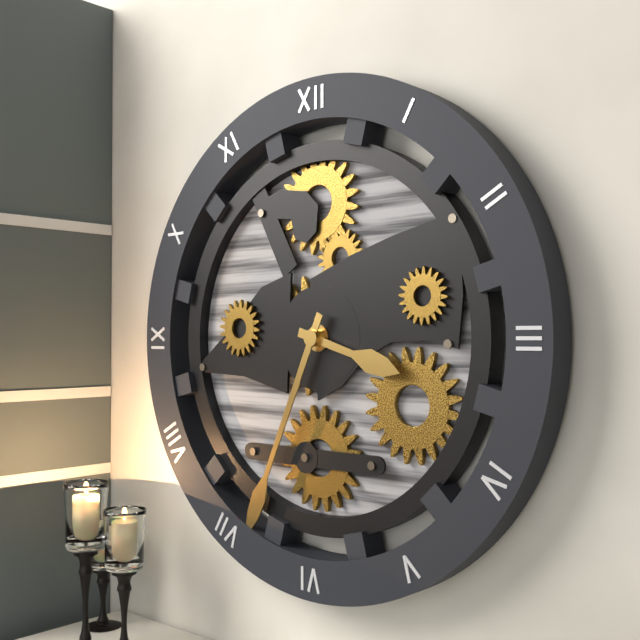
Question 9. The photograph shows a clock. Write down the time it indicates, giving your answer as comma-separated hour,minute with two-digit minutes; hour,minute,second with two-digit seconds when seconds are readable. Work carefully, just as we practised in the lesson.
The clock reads 3,34
